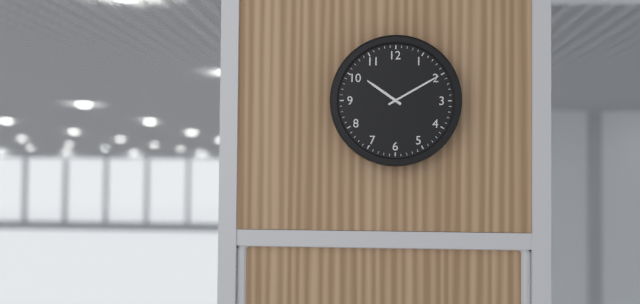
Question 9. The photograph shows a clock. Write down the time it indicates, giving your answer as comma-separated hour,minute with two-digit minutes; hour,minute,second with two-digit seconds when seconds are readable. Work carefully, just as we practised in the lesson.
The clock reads 10,10
